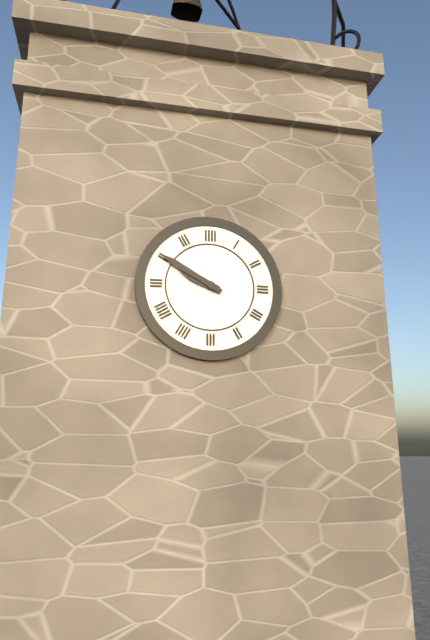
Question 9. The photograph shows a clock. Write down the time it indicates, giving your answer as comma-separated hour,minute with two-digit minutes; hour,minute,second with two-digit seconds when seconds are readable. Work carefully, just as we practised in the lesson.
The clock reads 9,50
